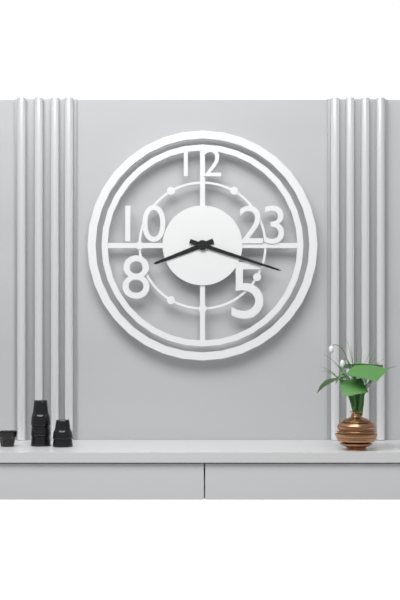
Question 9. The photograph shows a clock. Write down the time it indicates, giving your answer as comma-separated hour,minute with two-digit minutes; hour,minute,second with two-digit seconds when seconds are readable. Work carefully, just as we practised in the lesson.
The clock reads 8,18
